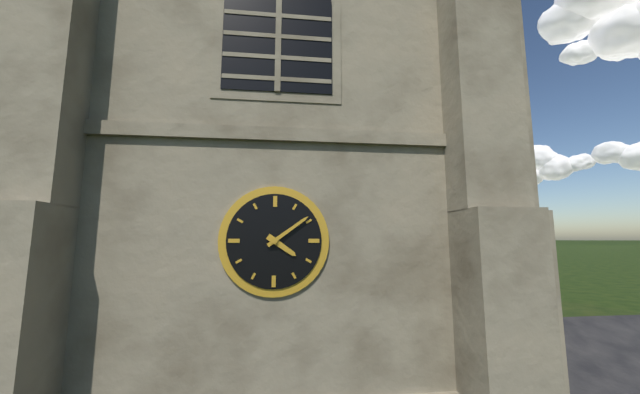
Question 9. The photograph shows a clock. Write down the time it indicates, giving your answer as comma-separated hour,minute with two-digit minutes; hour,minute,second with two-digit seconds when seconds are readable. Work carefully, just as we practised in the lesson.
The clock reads 4,09
